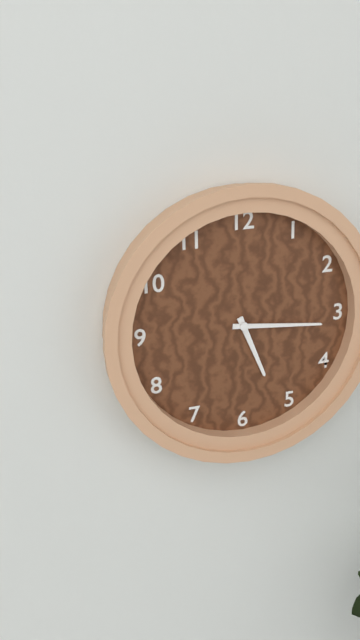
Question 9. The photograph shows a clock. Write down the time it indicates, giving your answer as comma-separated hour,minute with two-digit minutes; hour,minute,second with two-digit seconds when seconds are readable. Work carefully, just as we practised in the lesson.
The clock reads 5,16
